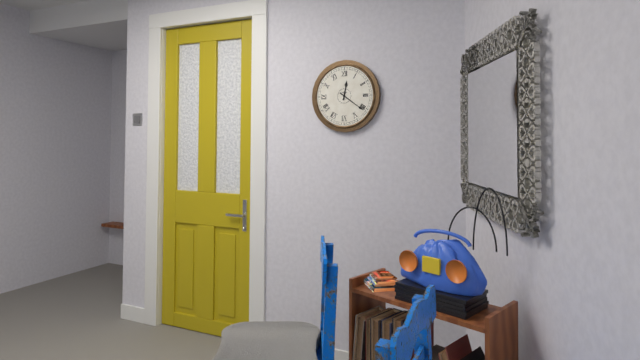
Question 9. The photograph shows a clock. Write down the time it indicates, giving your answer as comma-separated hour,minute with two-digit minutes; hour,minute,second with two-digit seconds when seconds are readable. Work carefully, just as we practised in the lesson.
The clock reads 12,21
